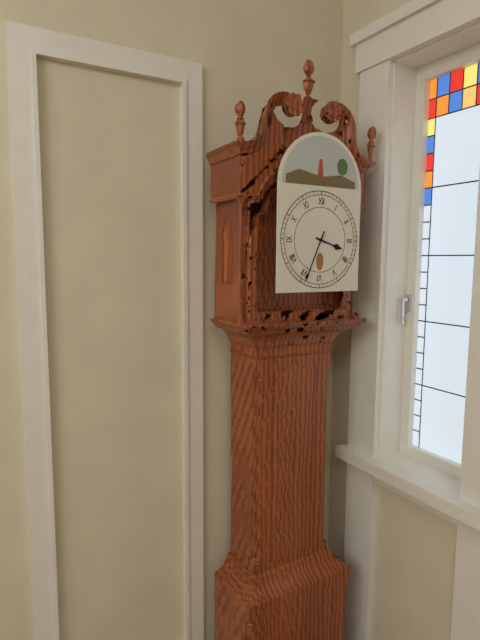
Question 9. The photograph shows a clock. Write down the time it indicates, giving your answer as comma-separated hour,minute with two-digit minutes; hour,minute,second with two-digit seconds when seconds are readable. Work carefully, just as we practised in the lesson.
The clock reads 3,34
